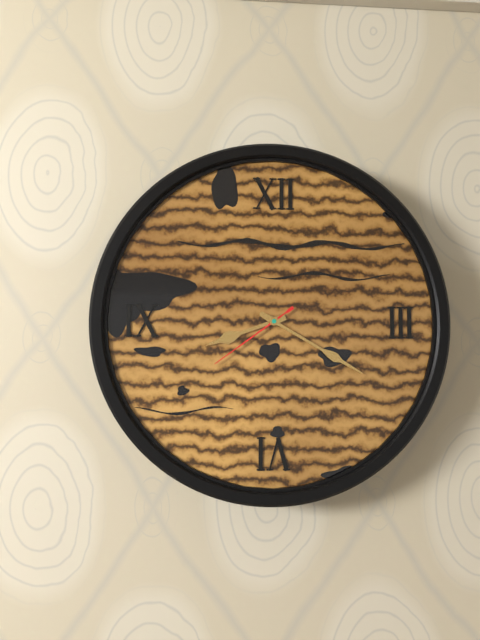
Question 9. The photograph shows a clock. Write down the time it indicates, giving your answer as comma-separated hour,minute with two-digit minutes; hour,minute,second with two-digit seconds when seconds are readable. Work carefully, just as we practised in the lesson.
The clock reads 8,20,39
